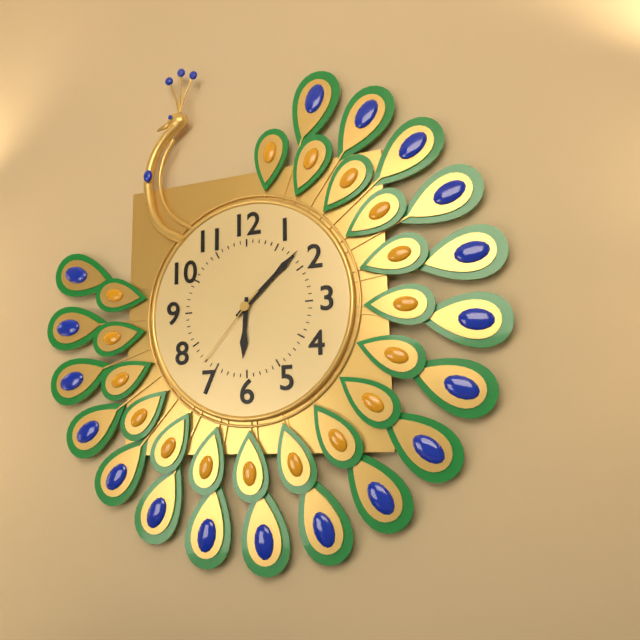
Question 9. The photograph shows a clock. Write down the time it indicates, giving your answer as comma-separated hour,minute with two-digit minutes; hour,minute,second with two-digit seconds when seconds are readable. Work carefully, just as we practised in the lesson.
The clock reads 6,08,37
